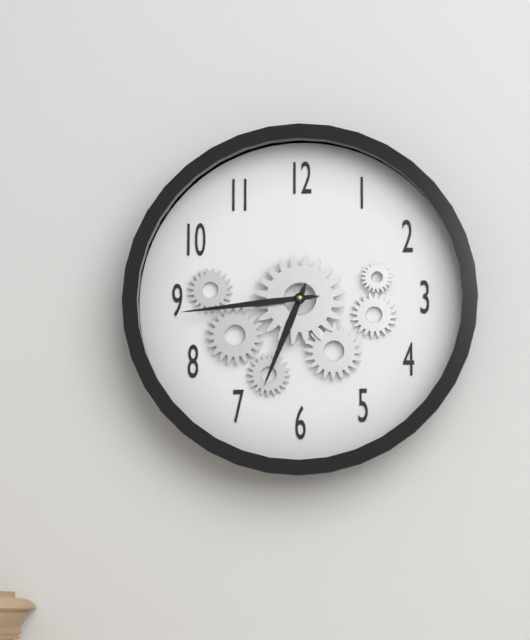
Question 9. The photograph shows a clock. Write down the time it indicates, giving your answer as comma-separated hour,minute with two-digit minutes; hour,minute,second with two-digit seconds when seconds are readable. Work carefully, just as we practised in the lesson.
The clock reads 6,44
